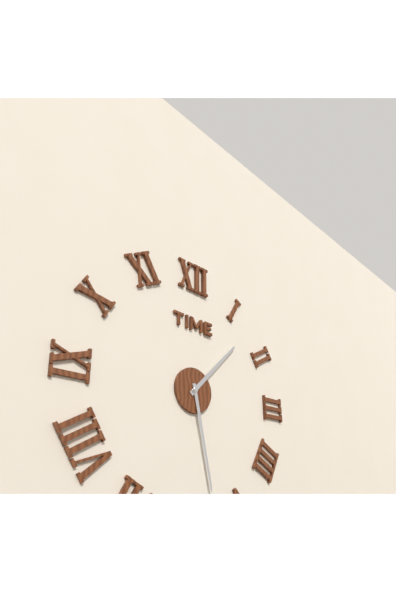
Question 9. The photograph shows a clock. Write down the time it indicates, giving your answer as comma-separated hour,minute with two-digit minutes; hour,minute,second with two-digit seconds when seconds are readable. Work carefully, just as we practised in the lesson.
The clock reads 1,28
